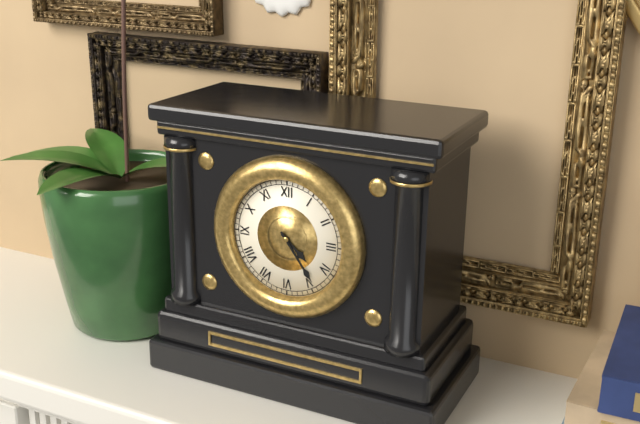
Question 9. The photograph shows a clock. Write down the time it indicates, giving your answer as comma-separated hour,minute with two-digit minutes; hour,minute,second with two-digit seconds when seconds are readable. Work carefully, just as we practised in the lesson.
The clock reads 4,24
